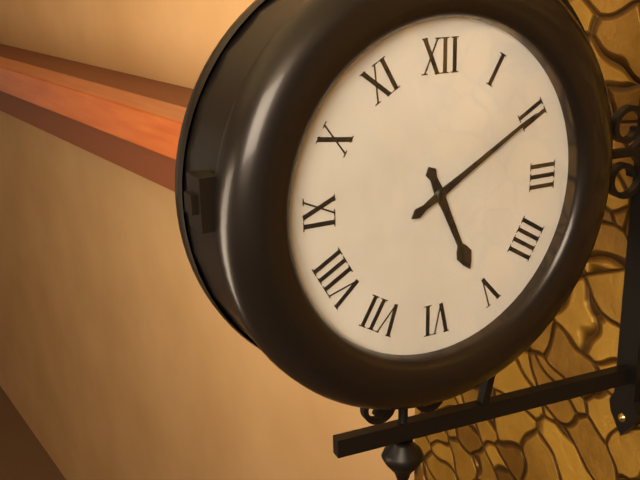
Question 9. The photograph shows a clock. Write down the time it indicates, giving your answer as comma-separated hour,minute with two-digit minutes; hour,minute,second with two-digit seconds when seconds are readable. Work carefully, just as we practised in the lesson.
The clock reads 5,10
